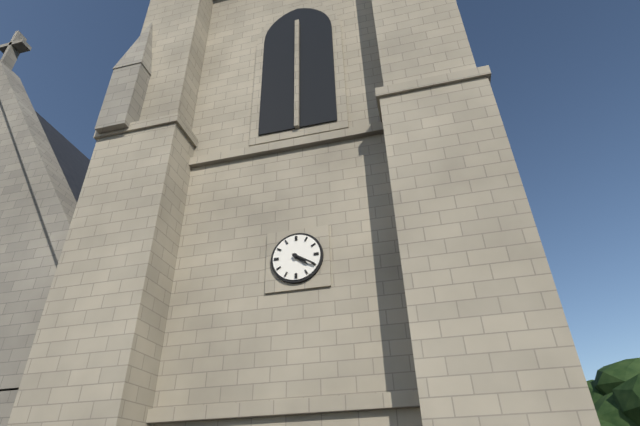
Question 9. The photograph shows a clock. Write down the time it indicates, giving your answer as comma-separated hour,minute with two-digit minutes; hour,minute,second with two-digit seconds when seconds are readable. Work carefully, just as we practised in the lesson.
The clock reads 4,20
